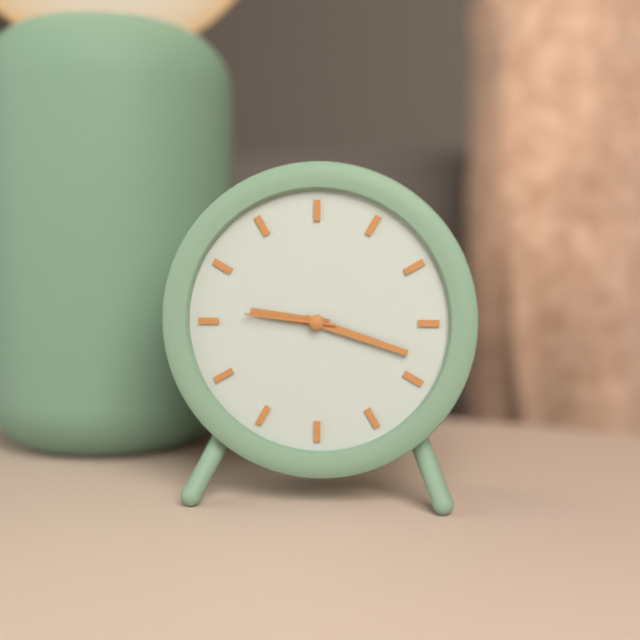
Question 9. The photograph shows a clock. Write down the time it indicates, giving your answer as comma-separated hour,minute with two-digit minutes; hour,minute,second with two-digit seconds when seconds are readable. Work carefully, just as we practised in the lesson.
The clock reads 9,18,46
